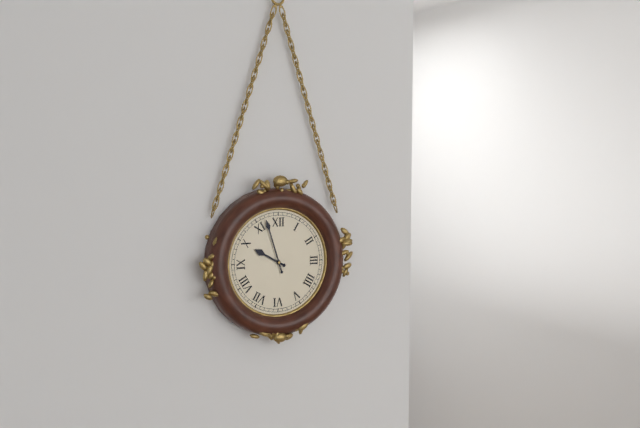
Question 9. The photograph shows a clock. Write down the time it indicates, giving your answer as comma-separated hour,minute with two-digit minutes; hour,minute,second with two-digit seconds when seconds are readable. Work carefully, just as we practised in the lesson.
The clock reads 9,57
